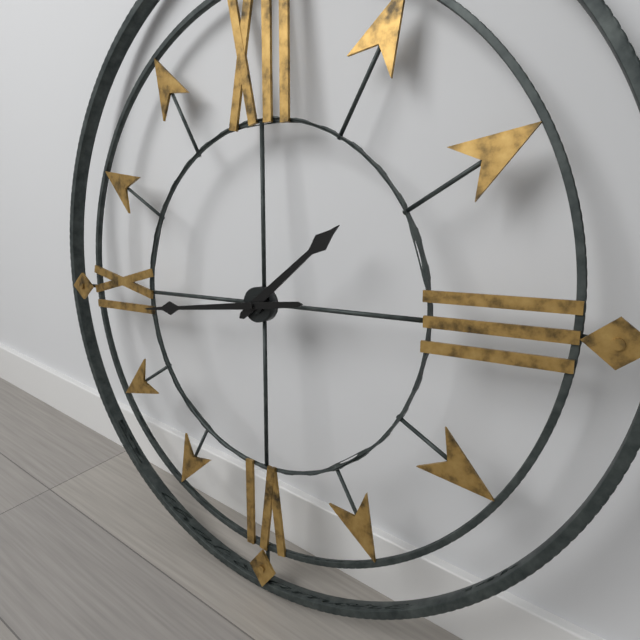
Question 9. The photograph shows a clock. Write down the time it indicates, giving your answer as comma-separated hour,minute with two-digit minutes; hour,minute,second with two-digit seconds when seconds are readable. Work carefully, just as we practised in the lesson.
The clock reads 1,44
